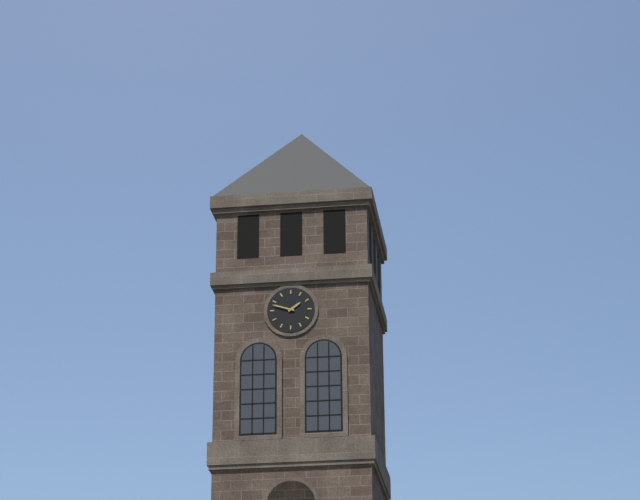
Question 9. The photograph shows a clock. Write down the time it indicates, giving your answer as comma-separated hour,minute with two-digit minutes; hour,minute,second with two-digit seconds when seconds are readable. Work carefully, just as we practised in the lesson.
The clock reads 1,48
